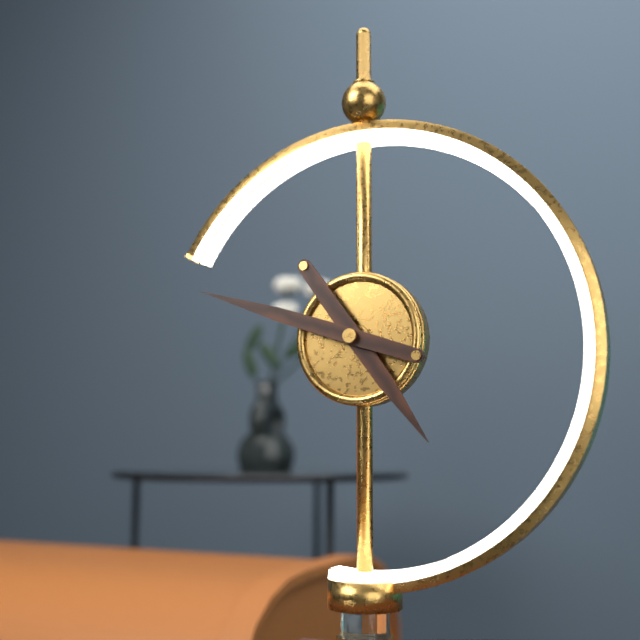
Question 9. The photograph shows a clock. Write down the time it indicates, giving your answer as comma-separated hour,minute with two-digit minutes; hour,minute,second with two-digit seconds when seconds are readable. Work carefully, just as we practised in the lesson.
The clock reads 4,48
